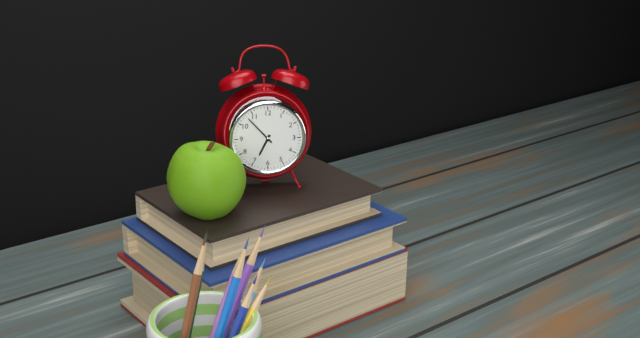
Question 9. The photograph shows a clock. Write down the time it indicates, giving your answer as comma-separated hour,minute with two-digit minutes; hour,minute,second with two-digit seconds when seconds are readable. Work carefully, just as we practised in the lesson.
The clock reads 6,53
